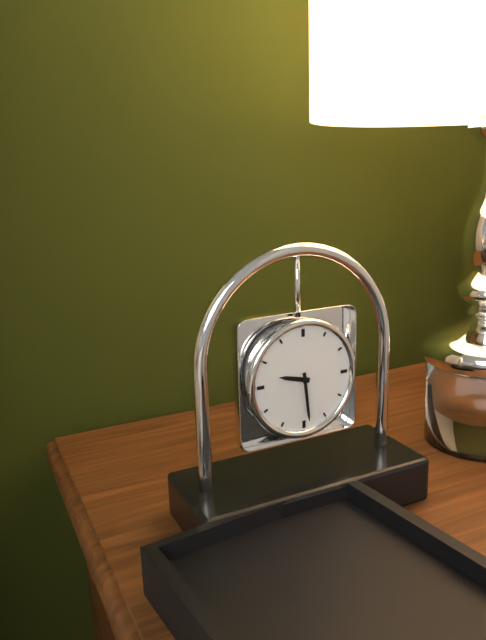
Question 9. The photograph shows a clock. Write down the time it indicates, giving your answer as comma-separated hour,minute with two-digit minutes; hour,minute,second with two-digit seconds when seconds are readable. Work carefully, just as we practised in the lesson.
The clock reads 9,29
